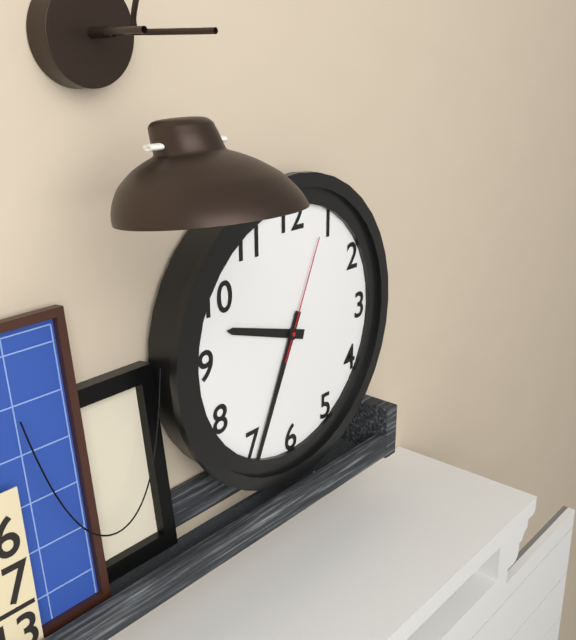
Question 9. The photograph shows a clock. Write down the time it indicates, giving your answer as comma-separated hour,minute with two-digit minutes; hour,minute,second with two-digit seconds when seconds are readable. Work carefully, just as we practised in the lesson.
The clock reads 9,34,04
